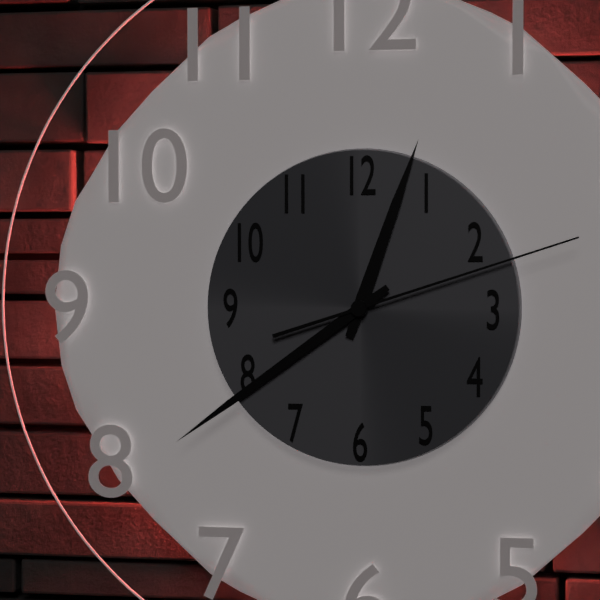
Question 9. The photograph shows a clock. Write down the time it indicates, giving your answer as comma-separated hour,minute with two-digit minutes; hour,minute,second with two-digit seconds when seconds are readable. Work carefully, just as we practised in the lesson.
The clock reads 12,39,12
